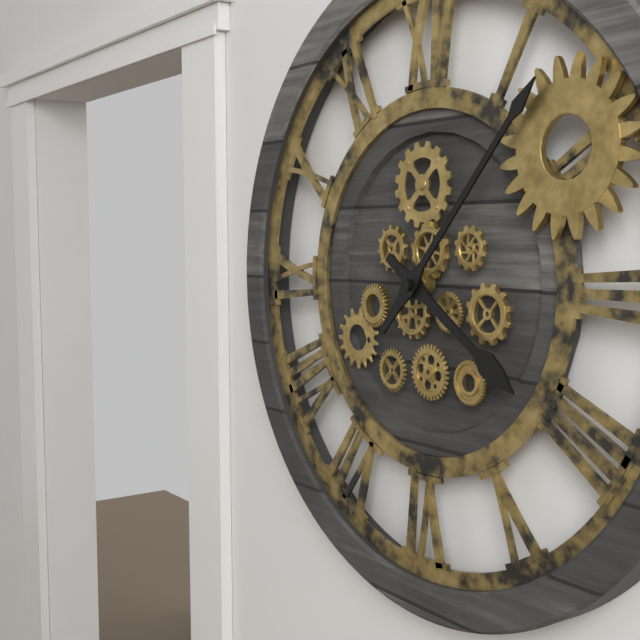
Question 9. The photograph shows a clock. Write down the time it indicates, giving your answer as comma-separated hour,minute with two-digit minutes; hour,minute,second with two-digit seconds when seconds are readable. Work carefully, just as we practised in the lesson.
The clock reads 4,07
